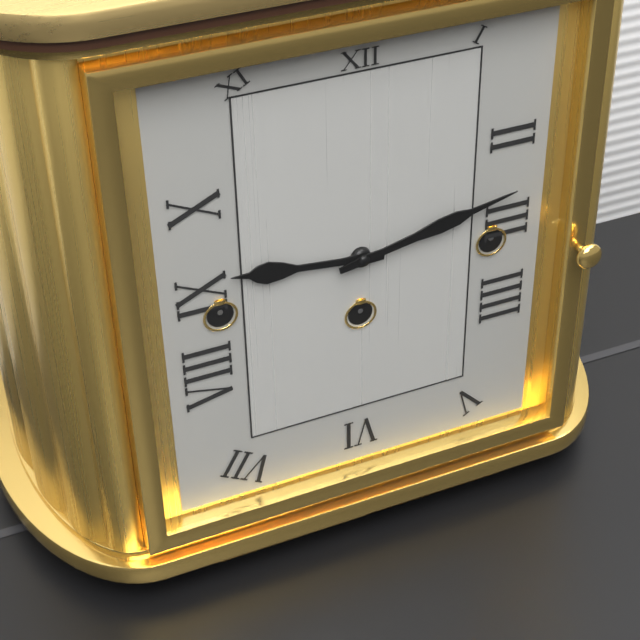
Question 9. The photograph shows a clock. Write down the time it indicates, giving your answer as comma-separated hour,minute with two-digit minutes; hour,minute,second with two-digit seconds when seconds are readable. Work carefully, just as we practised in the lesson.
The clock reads 9,13
